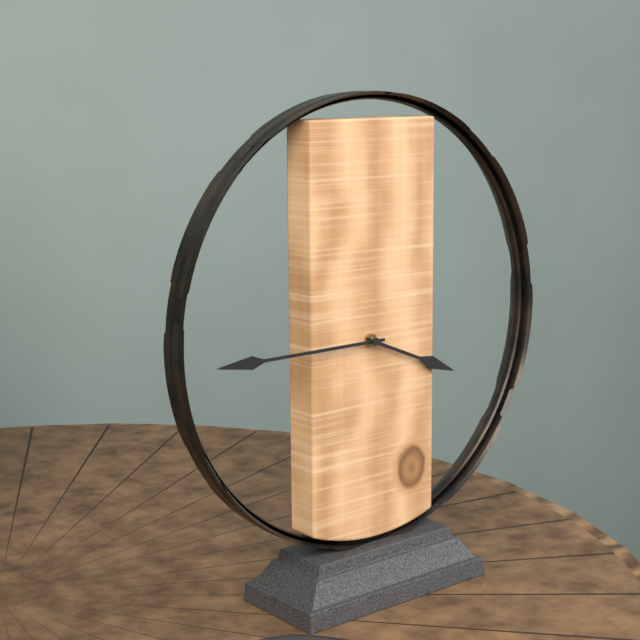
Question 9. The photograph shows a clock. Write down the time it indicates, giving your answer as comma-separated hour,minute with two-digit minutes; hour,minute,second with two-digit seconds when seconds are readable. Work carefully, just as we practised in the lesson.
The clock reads 3,45
